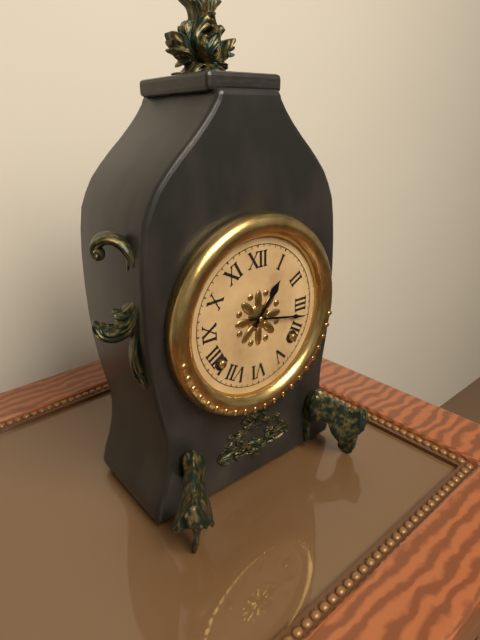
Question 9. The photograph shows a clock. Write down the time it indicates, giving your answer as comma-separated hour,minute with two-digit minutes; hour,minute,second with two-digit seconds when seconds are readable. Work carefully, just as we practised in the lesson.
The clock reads 1,17
